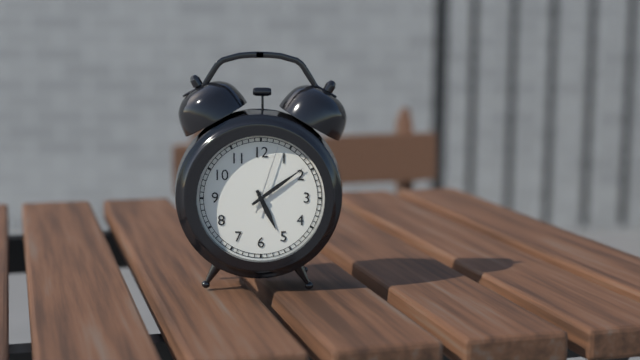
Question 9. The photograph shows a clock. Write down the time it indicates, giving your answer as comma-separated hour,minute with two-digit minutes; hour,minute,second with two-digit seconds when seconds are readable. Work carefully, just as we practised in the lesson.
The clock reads 5,09,03
